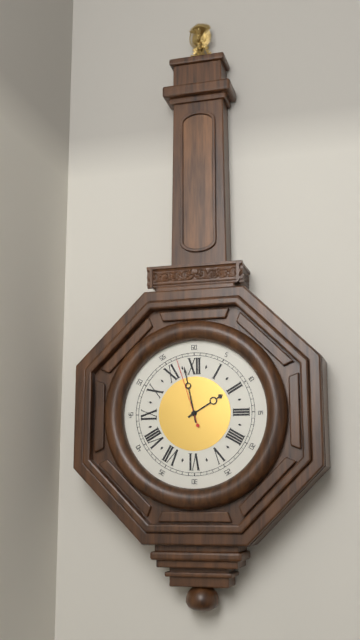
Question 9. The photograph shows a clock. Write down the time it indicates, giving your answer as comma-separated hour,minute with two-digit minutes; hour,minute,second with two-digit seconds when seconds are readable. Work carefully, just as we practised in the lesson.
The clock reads 1,58,57
